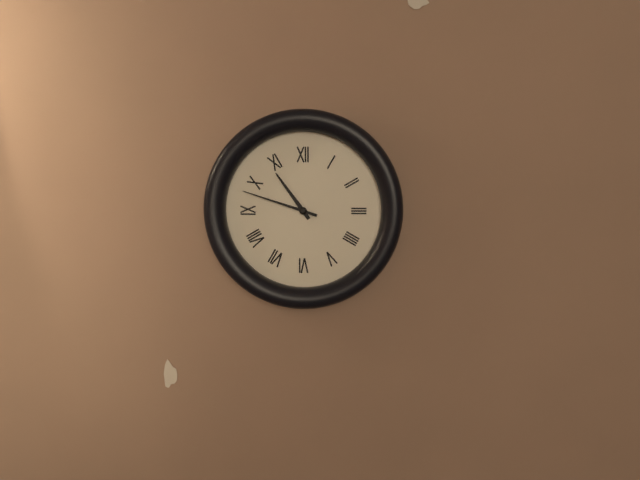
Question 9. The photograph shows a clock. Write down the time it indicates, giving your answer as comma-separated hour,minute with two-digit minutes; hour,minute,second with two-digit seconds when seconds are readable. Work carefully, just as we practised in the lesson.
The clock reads 10,48
